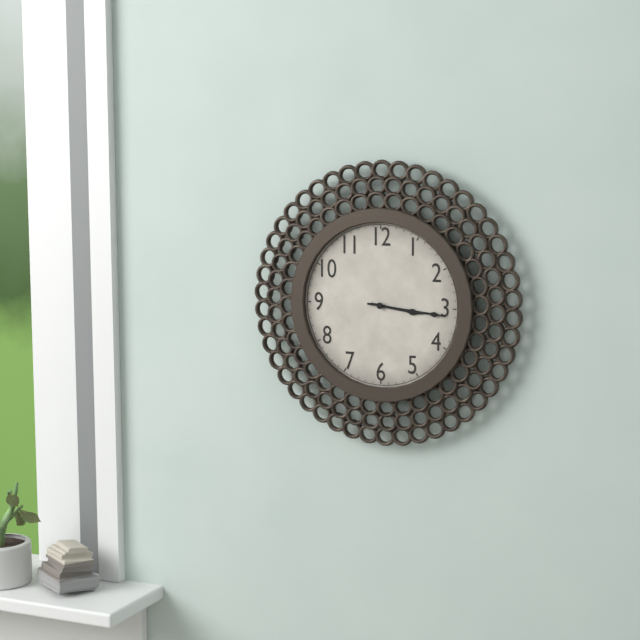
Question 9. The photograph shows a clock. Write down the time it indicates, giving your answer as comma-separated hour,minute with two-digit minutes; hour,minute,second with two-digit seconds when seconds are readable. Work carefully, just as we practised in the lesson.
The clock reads 3,16
